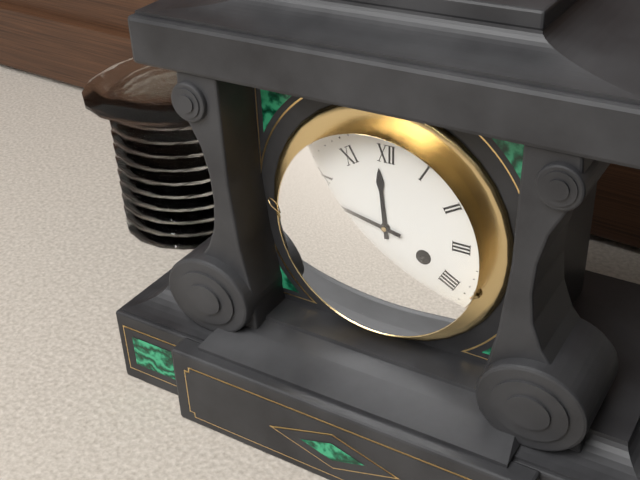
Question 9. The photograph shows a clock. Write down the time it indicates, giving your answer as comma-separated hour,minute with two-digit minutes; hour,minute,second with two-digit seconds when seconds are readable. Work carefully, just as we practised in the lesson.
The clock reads 11,47
